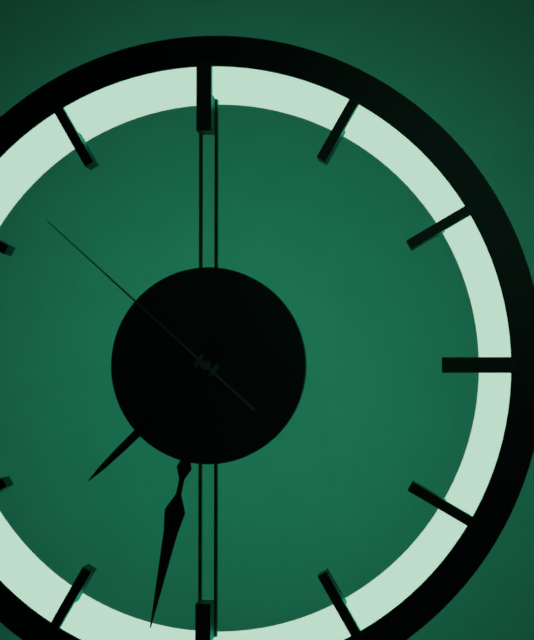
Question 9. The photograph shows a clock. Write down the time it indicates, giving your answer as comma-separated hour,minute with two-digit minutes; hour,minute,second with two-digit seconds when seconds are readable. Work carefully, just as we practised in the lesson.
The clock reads 7,32,52
